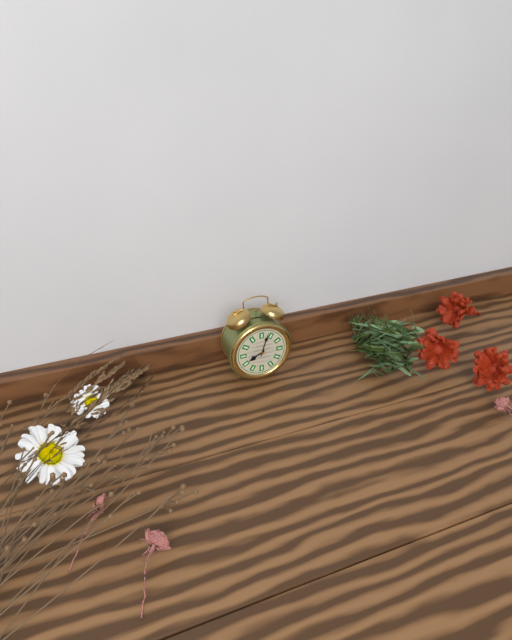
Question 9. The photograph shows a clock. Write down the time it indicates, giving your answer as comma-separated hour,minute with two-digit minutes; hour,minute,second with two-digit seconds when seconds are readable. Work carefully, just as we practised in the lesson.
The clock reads 8,03
